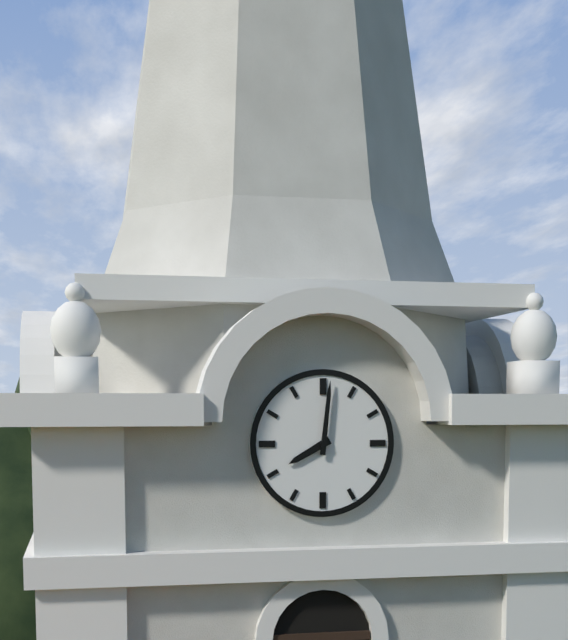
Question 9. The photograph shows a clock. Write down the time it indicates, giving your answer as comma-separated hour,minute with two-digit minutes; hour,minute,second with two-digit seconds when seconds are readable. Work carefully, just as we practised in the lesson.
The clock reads 8,01
